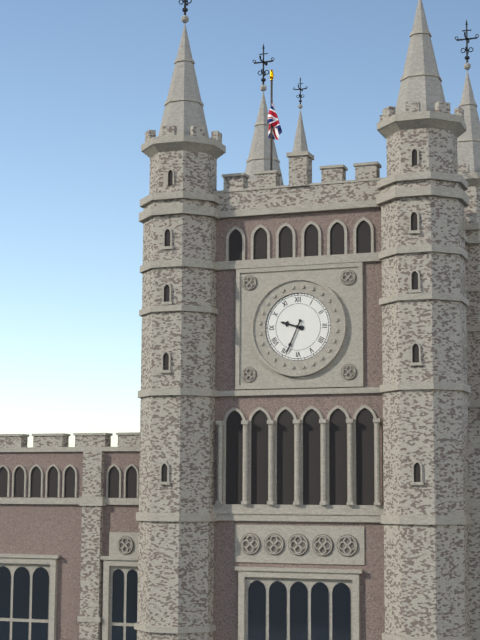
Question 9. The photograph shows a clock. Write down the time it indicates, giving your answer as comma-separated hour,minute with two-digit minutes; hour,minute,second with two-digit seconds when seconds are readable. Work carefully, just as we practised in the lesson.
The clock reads 9,34
